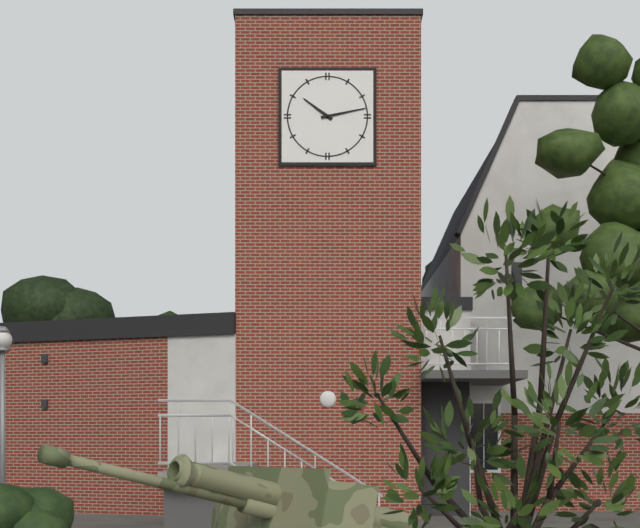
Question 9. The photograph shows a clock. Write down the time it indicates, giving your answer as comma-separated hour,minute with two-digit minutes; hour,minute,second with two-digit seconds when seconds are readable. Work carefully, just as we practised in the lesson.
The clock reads 10,13
